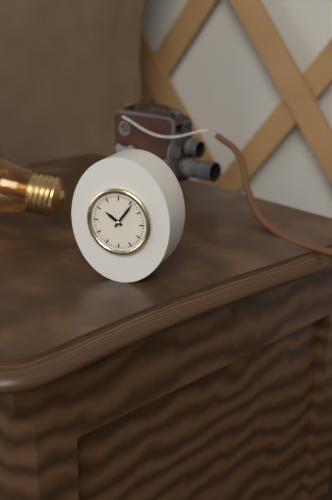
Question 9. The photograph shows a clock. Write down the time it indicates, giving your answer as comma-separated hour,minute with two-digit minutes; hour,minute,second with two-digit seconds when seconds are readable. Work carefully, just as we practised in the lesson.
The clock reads 10,06
